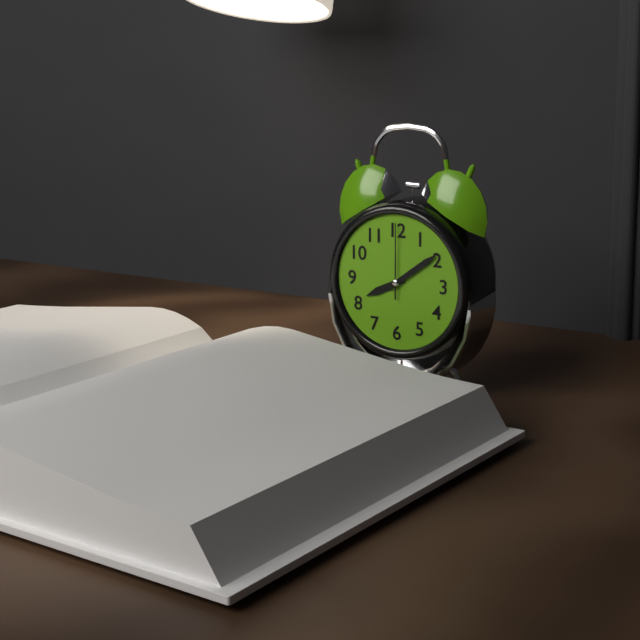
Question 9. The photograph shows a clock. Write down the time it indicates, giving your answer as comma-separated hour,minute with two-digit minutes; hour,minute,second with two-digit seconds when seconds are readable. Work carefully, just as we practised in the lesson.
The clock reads 8,09,00
